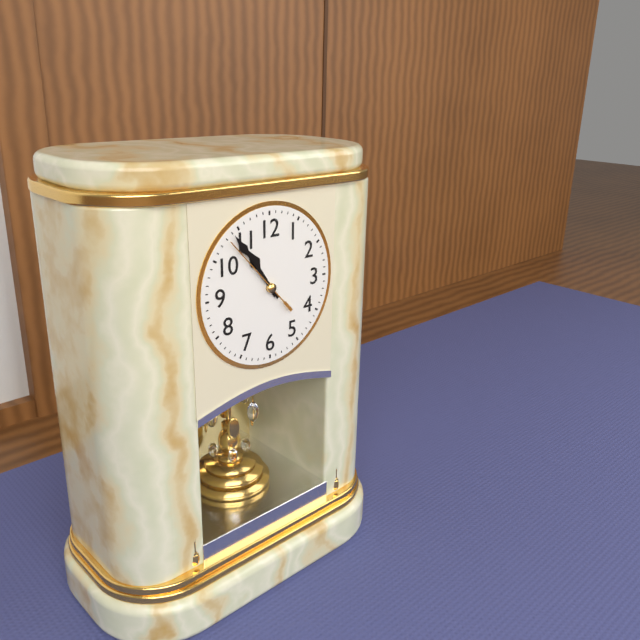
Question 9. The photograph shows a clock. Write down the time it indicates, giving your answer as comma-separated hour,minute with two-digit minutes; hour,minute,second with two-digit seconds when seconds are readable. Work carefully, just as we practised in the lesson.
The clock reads 10,54,53
